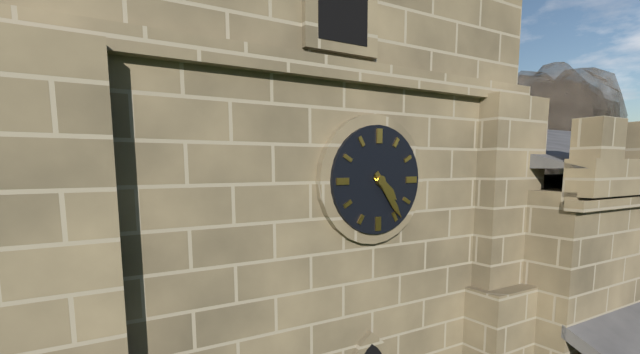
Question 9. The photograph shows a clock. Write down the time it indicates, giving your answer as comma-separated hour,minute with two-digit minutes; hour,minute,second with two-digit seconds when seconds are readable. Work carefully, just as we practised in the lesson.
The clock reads 4,24
